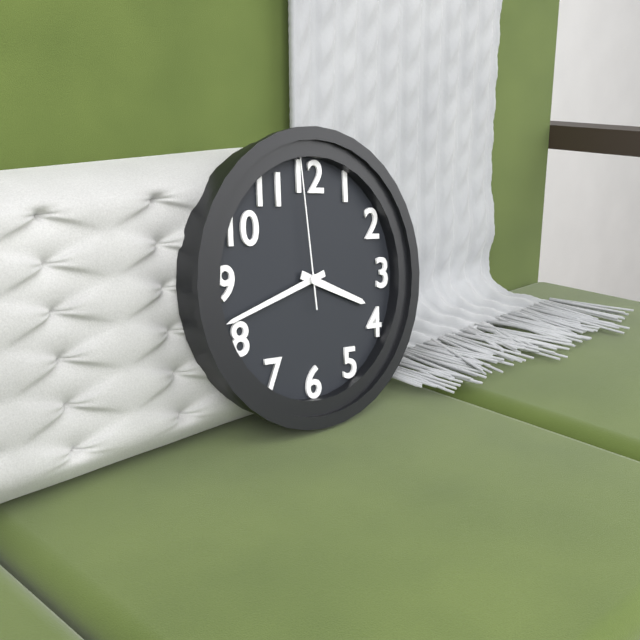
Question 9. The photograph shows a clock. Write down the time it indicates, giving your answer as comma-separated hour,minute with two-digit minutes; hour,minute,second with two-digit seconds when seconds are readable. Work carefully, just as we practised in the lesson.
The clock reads 3,42,59
